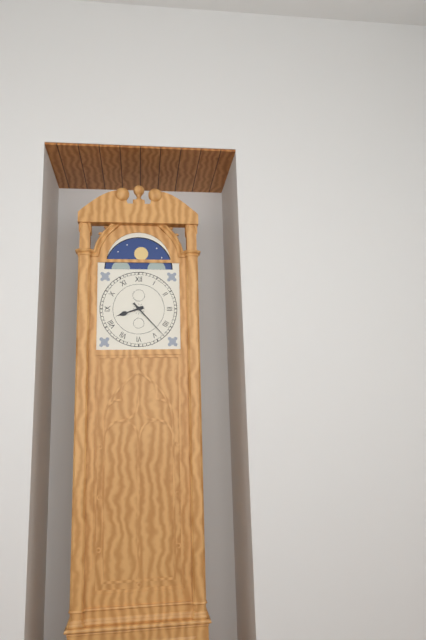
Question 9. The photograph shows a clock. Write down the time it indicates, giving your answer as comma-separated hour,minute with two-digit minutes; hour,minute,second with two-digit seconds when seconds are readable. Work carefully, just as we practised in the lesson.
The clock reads 8,23
